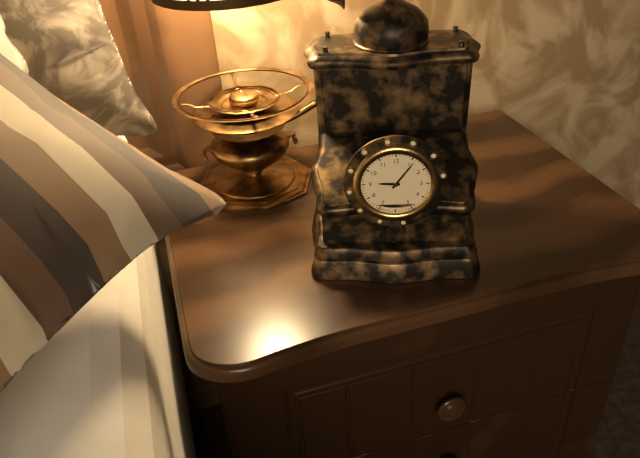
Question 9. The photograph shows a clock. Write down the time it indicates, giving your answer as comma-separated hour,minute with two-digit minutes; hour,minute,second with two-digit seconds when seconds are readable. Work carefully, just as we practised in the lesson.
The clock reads 9,06
